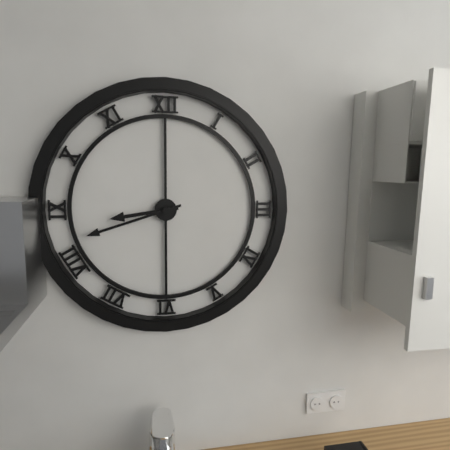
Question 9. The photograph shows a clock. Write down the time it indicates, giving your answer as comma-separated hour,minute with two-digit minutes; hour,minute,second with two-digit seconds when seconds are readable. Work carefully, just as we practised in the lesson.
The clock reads 8,42
